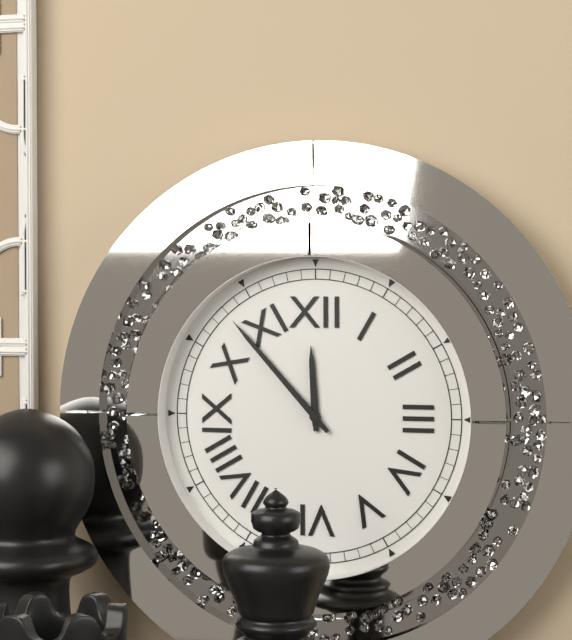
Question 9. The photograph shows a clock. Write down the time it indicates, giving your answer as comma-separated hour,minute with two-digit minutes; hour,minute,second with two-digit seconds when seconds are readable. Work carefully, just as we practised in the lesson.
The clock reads 11,53
